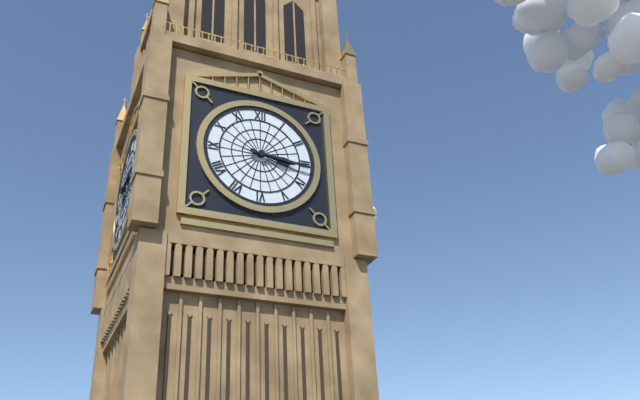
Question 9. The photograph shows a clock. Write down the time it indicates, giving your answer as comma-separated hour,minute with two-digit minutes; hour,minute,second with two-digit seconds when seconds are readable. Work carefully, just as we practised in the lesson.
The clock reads 3,16
